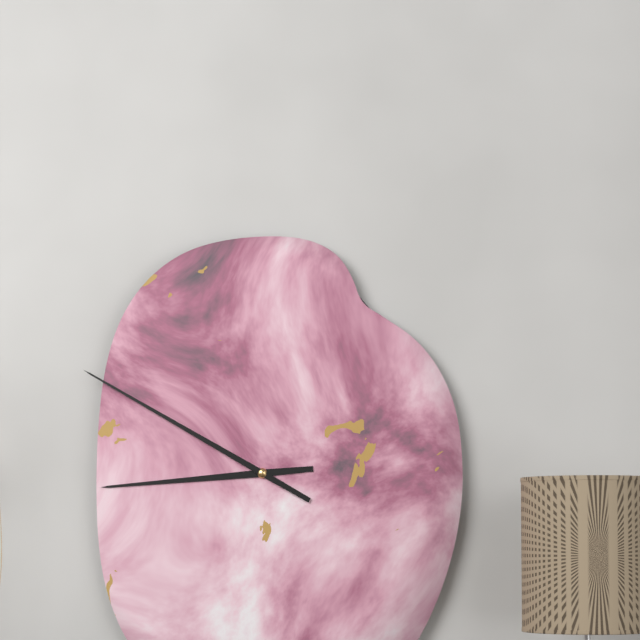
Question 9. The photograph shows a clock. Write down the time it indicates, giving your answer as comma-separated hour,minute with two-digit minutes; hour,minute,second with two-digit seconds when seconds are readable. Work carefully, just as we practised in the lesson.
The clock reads 8,50
